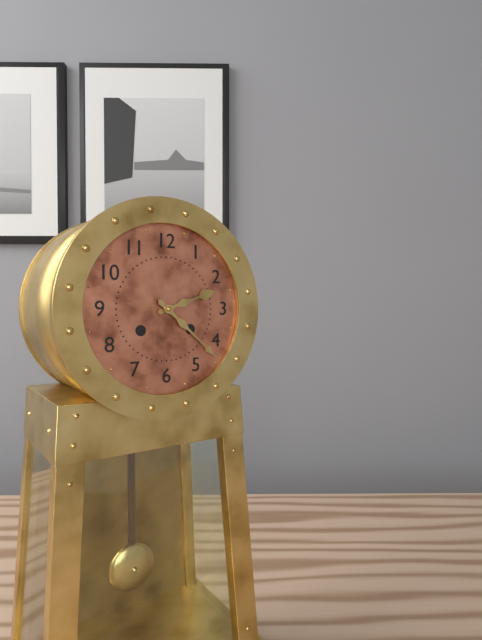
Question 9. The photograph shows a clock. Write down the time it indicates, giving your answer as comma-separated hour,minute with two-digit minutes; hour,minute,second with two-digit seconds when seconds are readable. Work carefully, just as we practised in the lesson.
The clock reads 2,22
